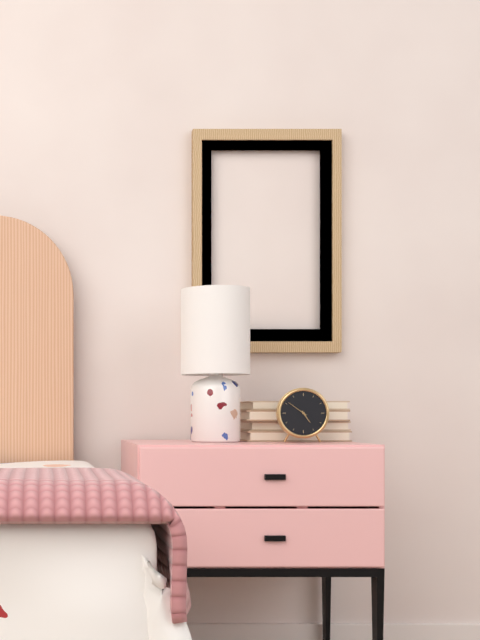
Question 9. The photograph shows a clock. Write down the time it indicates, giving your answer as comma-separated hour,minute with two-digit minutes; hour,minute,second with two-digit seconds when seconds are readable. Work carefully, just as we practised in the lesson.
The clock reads 4,51
